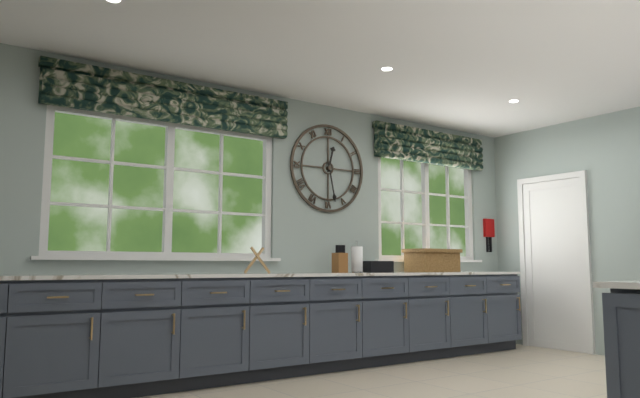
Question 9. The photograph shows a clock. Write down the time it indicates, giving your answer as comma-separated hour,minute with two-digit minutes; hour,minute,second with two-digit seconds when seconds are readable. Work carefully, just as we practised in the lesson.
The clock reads 12,28
